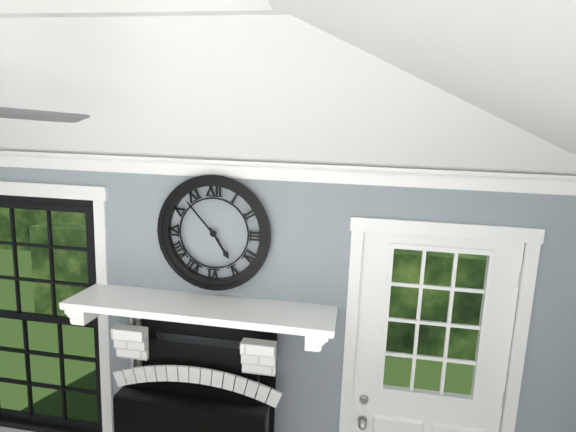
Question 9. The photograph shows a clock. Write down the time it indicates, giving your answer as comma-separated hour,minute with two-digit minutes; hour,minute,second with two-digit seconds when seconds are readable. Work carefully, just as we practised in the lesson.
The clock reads 4,53
